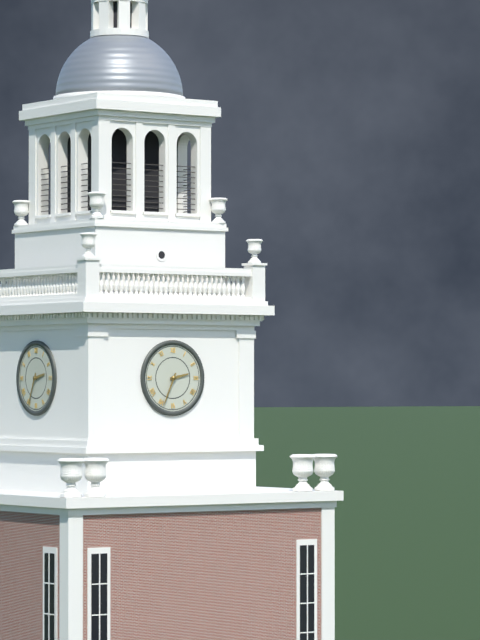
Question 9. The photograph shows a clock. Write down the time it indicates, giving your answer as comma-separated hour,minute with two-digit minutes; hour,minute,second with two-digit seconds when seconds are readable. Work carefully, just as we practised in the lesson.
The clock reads 2,34
